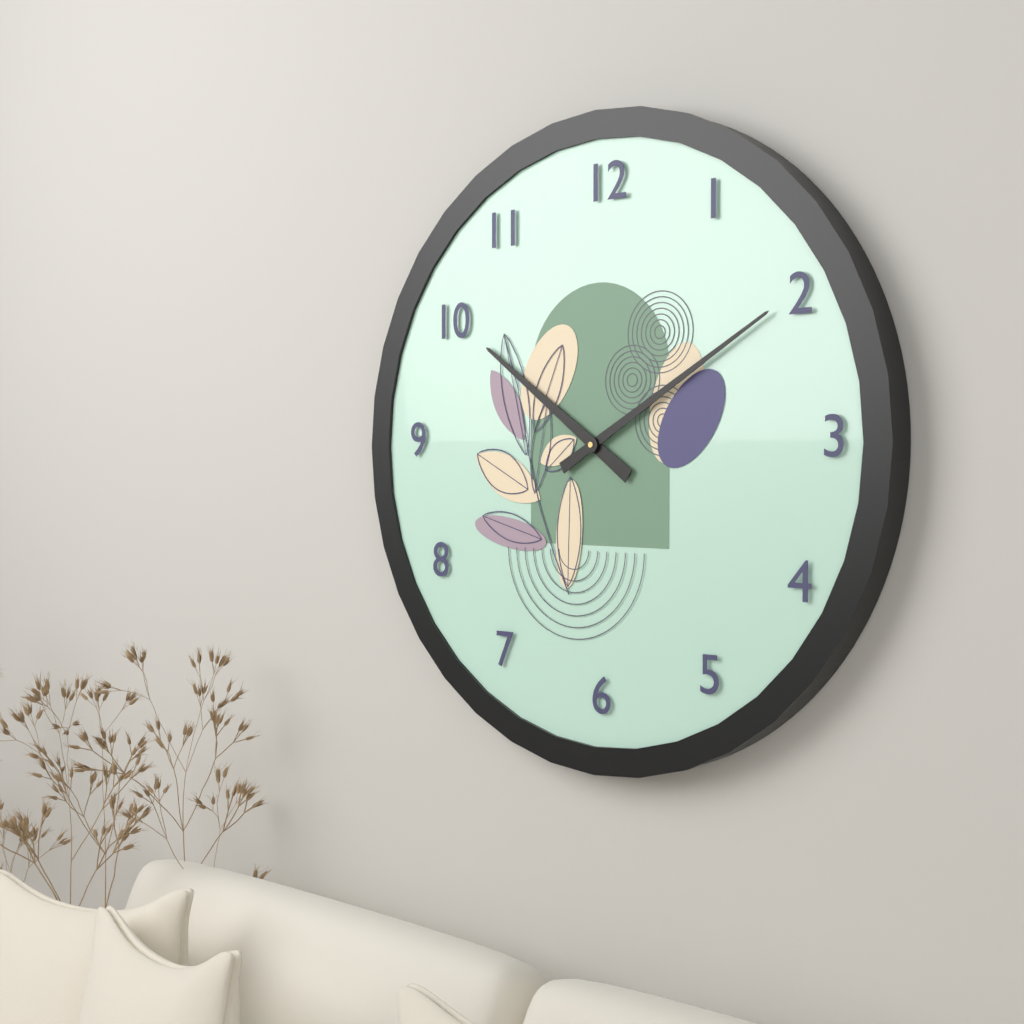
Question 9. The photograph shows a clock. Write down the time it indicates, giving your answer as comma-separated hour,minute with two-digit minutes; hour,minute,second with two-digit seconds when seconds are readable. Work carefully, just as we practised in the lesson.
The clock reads 10,10
